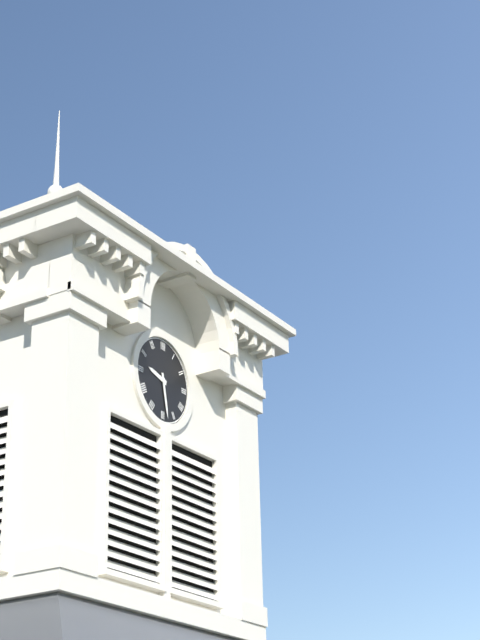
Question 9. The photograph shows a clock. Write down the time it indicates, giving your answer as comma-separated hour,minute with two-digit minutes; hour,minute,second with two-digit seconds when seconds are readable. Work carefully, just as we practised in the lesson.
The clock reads 9,28
